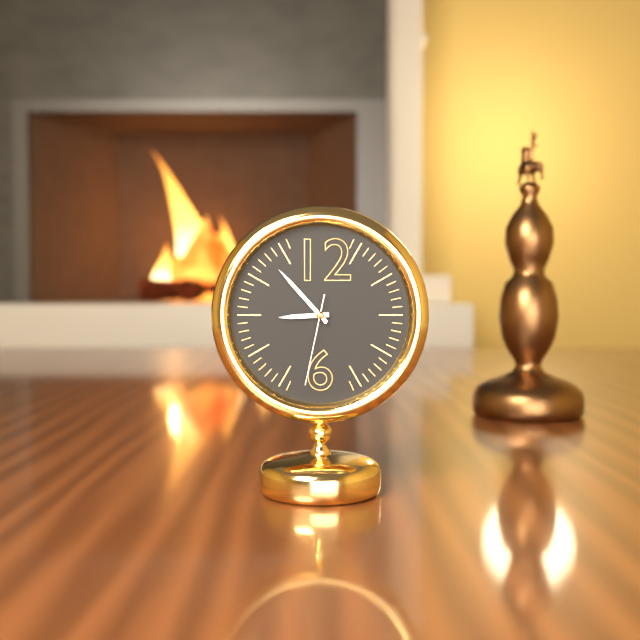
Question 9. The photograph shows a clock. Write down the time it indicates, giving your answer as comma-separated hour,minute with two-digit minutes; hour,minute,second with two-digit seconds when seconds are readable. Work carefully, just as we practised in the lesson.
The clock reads 8,53,32
